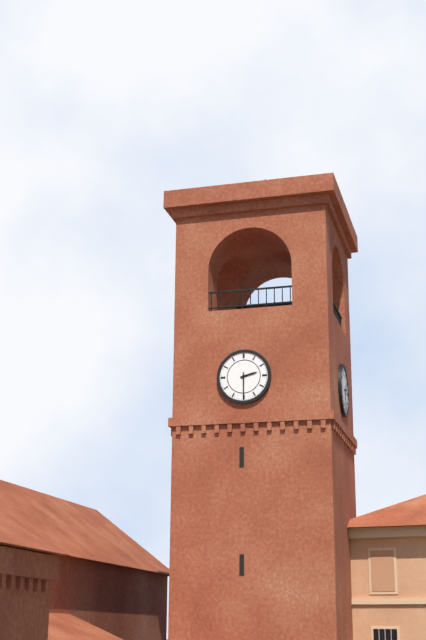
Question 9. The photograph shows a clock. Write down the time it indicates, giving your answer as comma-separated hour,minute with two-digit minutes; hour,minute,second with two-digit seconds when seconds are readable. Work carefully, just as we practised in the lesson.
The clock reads 2,30
